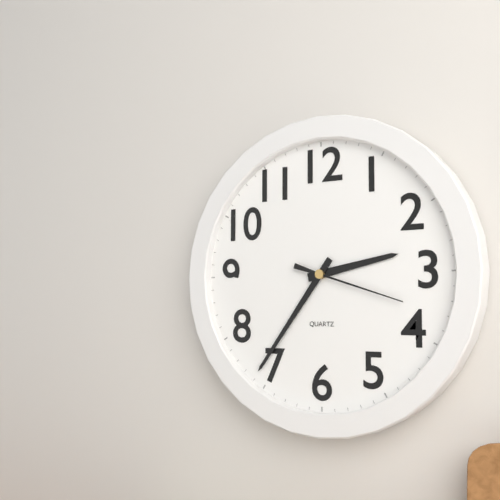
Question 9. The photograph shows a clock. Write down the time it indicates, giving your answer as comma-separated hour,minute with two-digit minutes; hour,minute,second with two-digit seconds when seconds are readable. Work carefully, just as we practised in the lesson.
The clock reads 2,36,18
